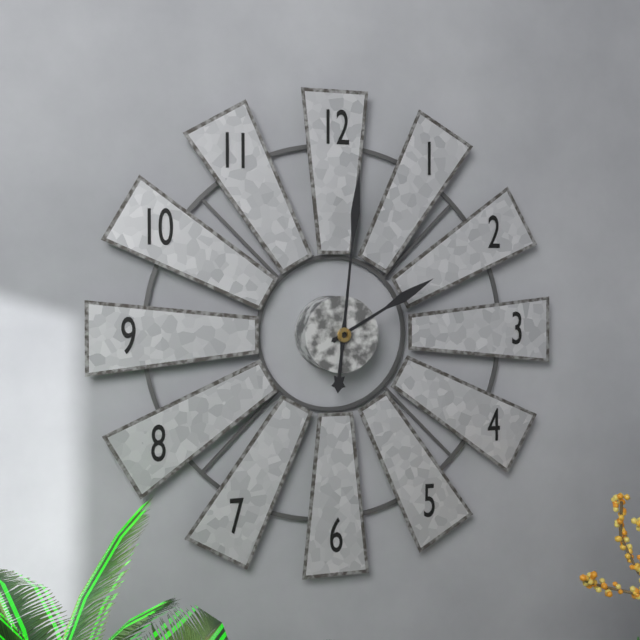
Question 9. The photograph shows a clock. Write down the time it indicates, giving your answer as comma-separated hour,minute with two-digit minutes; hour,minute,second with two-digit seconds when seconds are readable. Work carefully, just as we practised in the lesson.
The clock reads 2,01
